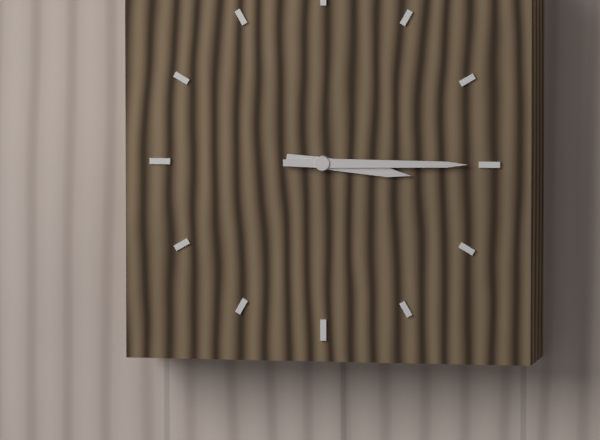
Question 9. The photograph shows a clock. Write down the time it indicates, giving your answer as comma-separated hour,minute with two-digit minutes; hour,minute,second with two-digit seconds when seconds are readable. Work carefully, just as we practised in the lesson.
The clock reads 3,15
